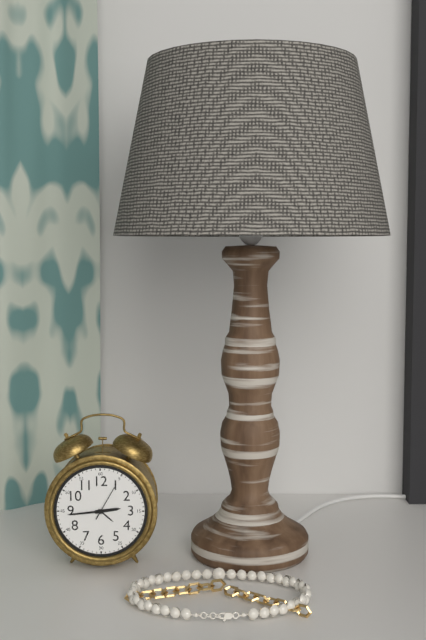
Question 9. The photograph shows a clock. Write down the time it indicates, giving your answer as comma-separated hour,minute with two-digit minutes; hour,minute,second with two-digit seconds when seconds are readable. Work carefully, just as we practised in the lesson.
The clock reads 2,44
